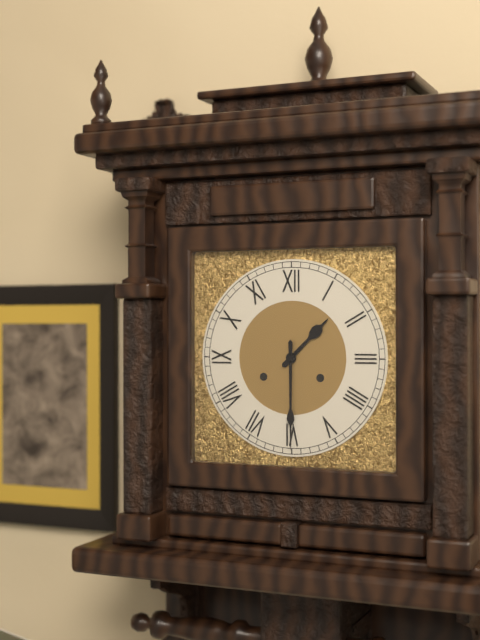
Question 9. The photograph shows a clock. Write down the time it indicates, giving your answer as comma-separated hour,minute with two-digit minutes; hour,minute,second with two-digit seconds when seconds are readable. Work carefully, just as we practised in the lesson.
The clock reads 1,30
